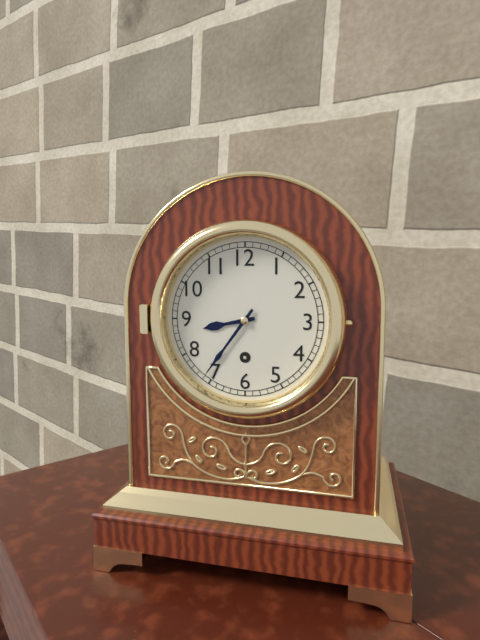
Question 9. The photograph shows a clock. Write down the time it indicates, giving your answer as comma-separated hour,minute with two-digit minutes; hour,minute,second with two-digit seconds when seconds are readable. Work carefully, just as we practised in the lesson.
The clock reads 8,36
